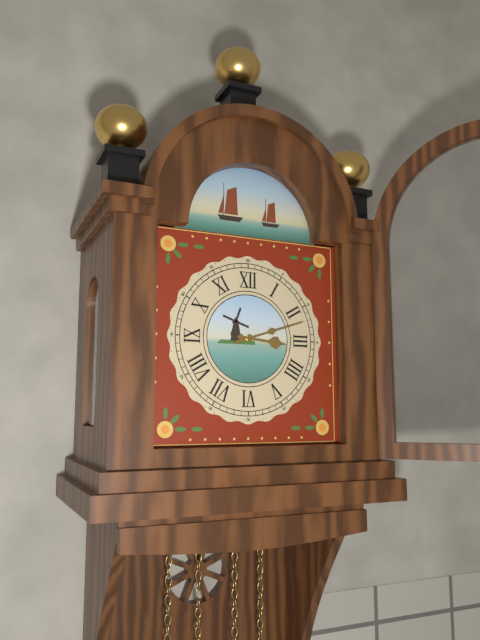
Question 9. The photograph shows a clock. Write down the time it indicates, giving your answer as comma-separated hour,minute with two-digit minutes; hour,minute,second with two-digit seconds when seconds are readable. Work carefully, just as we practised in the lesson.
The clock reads 3,12
